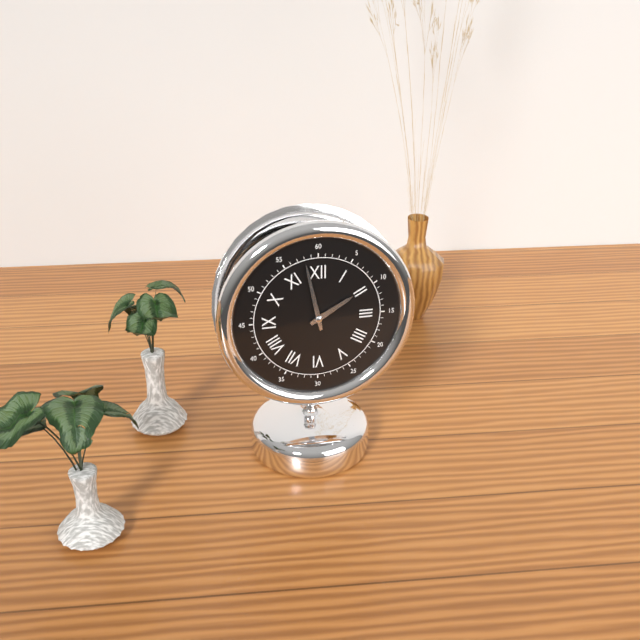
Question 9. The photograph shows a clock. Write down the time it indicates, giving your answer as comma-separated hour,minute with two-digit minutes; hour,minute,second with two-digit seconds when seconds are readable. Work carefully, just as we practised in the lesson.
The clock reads 1,58
